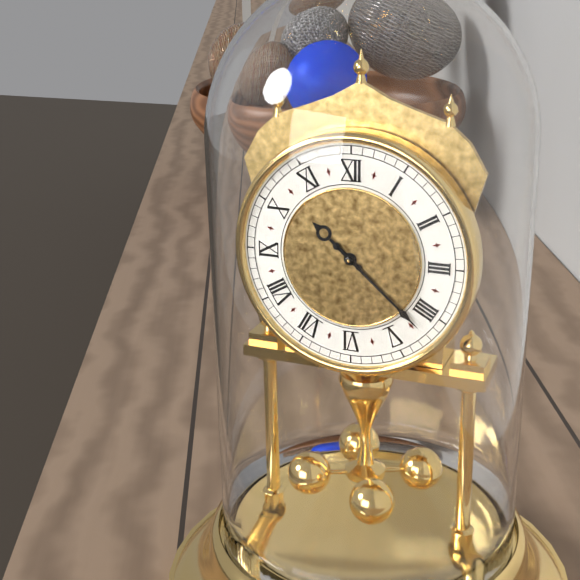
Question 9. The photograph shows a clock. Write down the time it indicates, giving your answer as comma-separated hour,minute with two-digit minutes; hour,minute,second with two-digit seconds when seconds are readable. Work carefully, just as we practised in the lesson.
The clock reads 10,22
